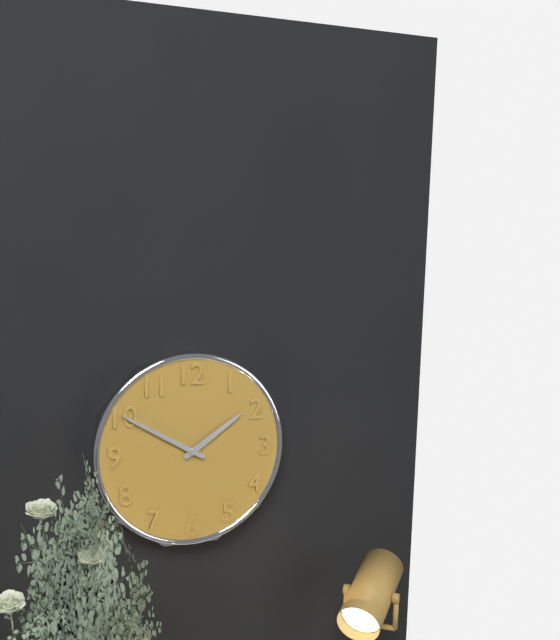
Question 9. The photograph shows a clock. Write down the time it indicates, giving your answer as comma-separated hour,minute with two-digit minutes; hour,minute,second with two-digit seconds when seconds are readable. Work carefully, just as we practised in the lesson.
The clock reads 1,50
